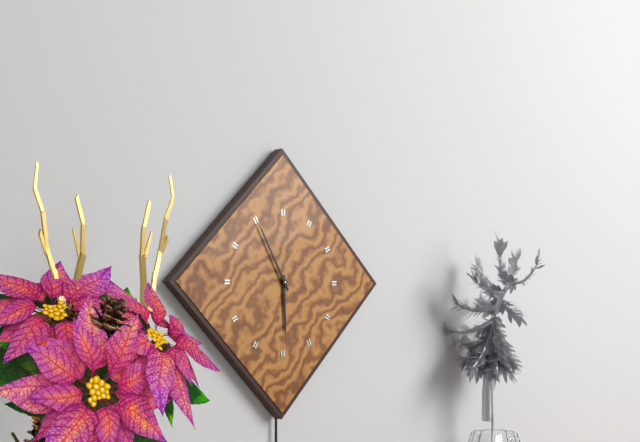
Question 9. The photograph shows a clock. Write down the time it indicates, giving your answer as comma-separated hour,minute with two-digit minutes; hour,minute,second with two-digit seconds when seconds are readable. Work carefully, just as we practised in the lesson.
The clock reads 5,55
